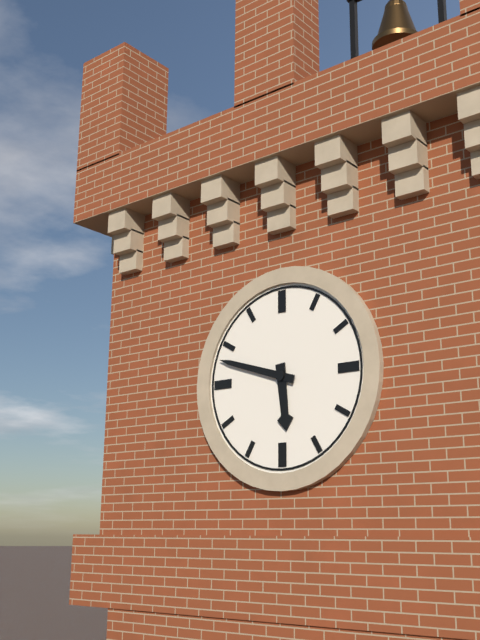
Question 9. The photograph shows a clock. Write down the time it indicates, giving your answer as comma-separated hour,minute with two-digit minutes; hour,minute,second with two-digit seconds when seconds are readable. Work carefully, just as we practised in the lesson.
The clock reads 5,48
